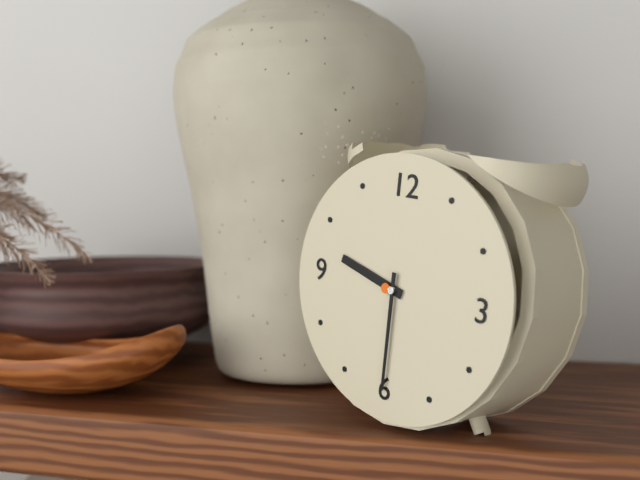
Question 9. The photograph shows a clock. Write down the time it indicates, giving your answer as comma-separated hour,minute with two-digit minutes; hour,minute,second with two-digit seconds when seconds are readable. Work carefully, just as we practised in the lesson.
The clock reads 9,30
